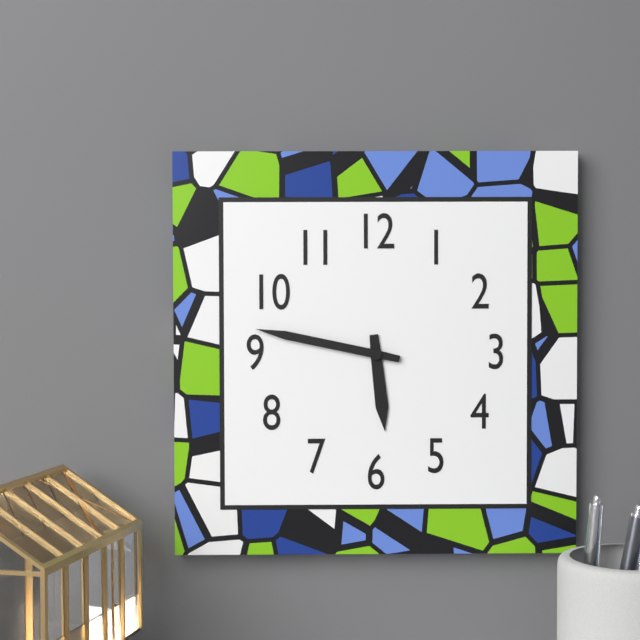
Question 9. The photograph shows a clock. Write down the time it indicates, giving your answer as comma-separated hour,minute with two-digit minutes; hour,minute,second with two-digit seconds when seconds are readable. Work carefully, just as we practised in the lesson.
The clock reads 5,47
